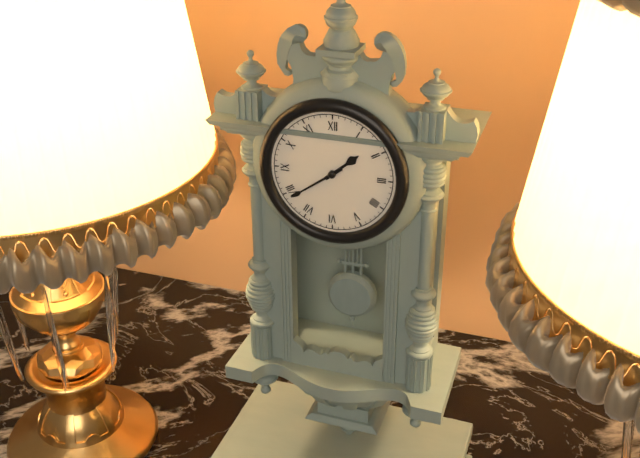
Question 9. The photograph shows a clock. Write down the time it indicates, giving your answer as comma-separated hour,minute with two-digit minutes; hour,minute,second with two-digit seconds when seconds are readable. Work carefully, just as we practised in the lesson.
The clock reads 1,39
